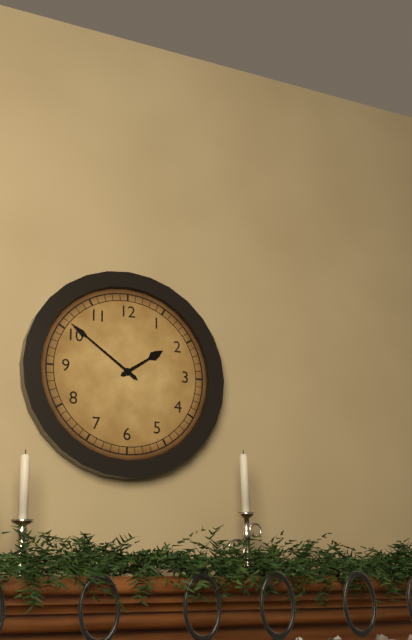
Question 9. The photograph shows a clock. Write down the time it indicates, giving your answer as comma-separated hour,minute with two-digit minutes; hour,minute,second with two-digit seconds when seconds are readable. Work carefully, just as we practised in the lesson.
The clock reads 1,51
